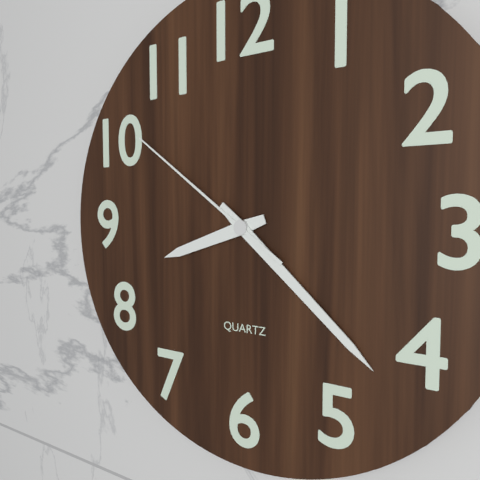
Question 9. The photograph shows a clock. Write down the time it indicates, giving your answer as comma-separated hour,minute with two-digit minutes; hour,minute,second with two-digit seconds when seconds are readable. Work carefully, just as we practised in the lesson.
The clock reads 8,22,51
